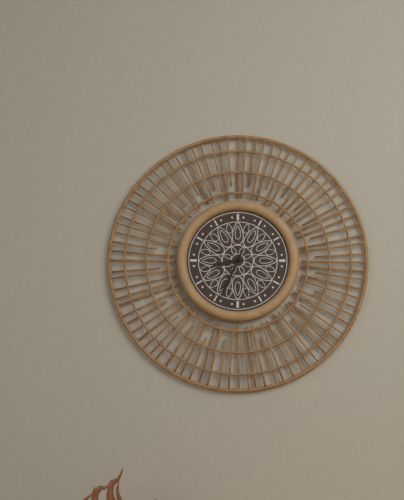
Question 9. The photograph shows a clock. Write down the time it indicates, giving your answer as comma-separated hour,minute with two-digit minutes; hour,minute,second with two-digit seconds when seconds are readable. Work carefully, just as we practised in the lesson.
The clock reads 8,34
